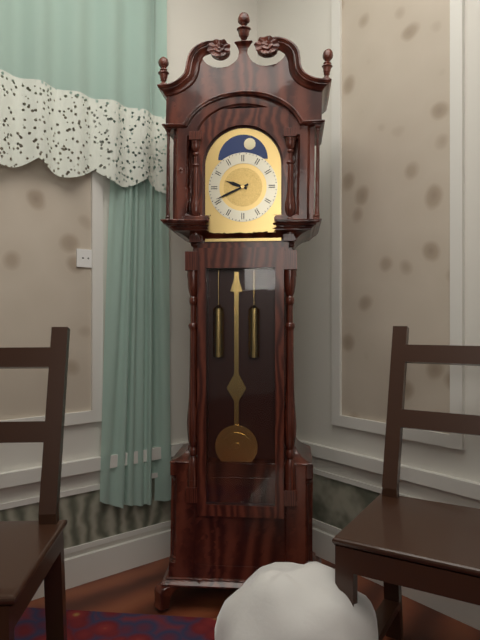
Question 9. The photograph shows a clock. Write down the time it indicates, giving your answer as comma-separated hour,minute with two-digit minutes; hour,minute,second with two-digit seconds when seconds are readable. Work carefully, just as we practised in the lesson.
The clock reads 9,41
